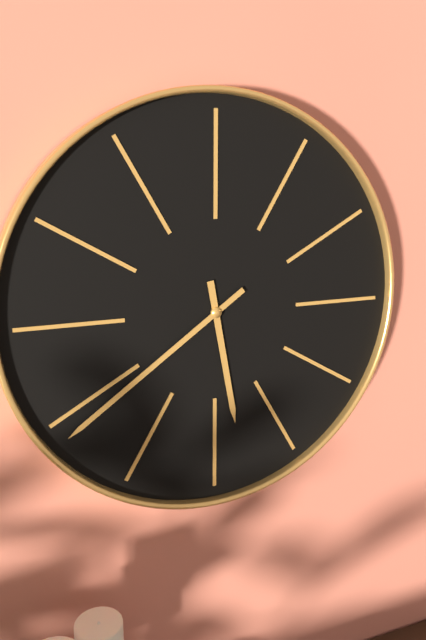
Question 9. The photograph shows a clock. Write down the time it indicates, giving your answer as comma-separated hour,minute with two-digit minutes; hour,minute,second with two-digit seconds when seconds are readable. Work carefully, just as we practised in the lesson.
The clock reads 5,39
